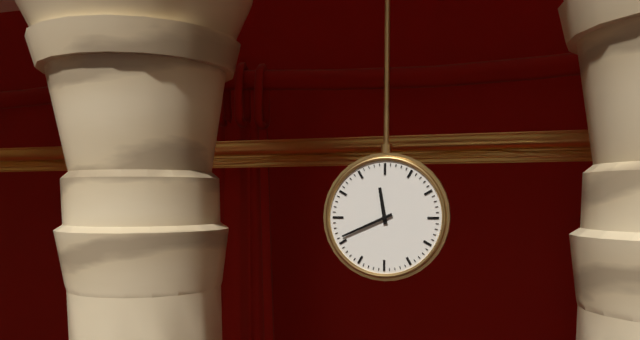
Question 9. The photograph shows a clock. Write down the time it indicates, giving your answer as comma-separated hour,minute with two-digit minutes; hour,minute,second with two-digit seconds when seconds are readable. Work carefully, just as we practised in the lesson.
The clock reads 11,41
